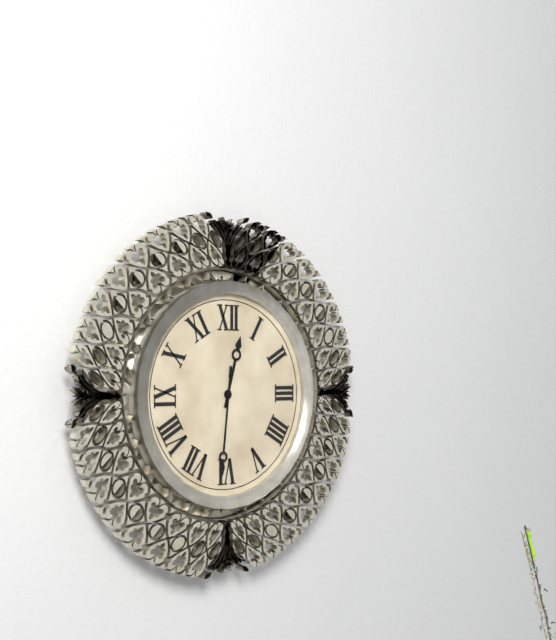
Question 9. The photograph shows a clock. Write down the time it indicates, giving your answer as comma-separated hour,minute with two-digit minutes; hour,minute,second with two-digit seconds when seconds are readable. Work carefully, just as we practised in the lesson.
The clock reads 12,31
